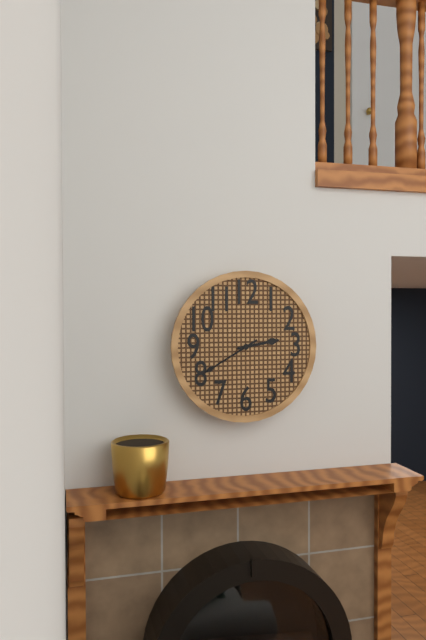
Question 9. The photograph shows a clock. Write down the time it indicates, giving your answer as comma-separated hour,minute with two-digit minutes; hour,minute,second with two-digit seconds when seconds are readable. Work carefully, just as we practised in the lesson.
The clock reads 2,40
